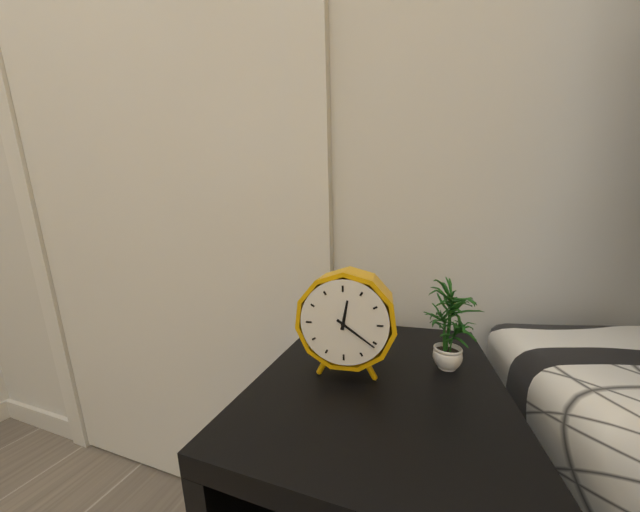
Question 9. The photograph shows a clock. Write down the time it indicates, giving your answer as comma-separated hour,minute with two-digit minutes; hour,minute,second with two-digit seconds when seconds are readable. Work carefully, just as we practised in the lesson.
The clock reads 12,21
